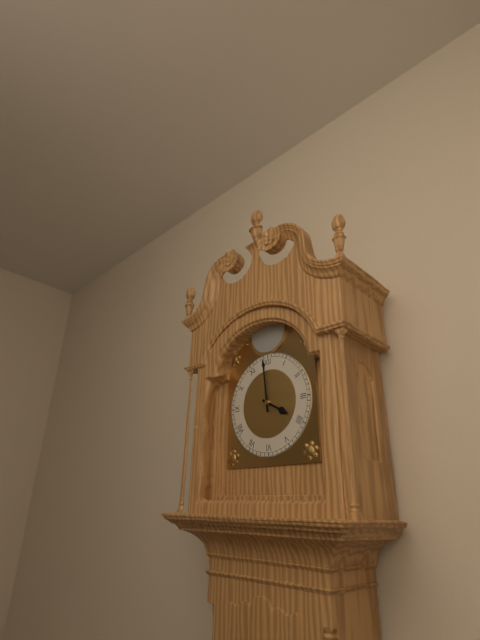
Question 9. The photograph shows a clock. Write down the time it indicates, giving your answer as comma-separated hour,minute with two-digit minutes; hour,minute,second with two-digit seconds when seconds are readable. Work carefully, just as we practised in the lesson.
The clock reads 3,59
